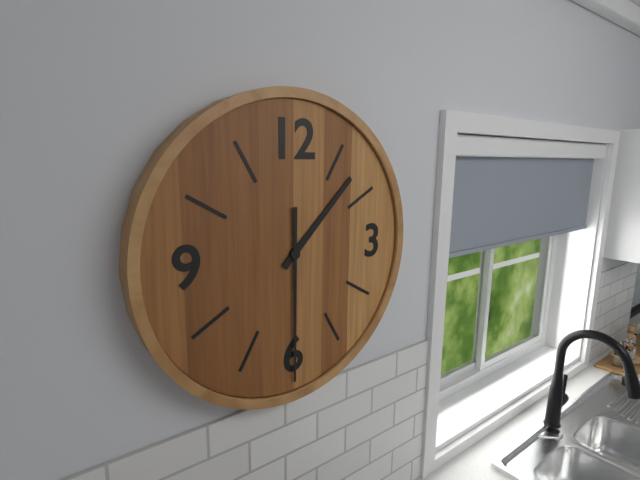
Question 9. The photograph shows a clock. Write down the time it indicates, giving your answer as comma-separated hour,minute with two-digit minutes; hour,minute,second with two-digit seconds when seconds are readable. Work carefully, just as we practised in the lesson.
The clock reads 1,30
